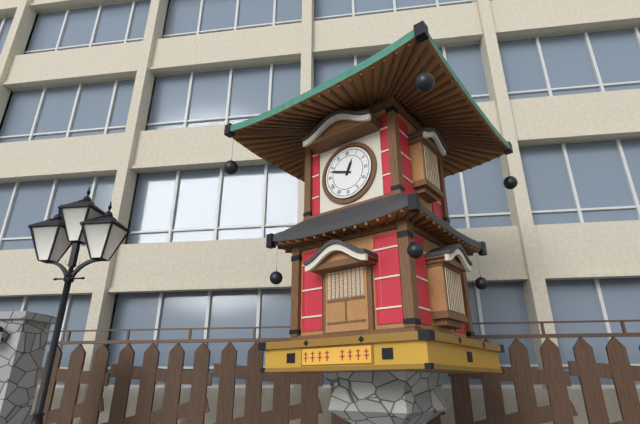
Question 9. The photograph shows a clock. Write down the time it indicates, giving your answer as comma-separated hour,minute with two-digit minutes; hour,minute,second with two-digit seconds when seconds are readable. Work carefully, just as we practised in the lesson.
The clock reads 12,48
